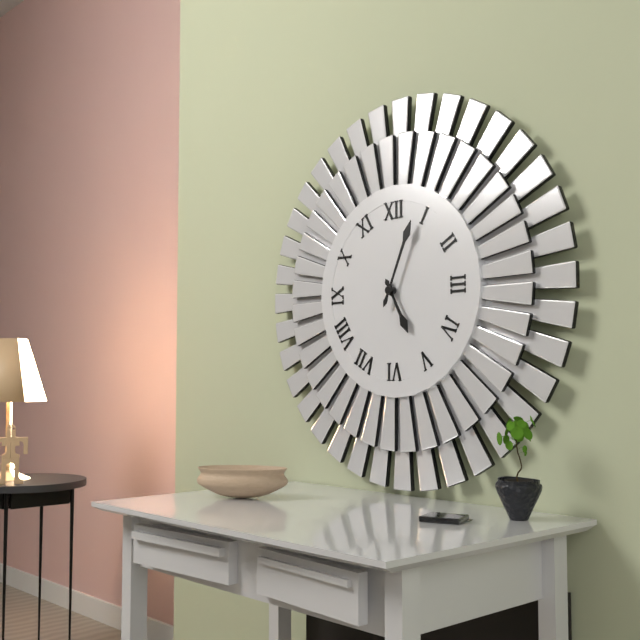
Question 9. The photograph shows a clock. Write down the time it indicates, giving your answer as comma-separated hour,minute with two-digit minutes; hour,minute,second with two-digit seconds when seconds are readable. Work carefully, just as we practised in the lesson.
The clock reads 5,04
